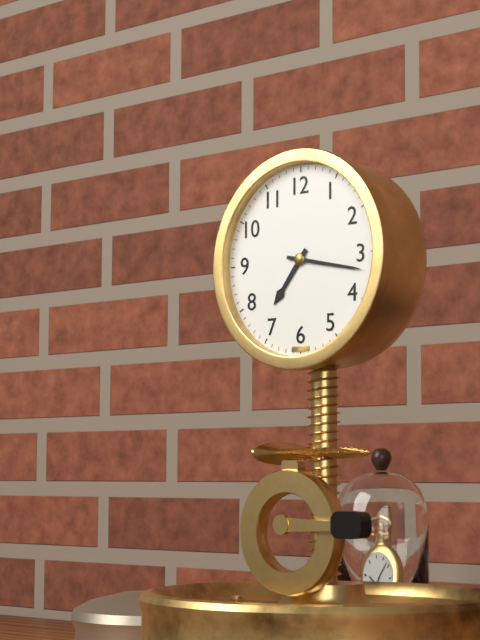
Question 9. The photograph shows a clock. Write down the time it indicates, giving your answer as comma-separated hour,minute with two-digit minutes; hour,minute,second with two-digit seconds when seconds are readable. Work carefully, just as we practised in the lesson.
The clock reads 7,17
